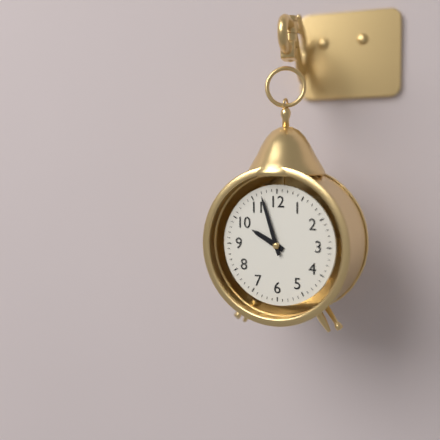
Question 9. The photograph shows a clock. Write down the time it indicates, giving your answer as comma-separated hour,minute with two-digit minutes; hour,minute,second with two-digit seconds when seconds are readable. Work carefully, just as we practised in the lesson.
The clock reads 9,57
